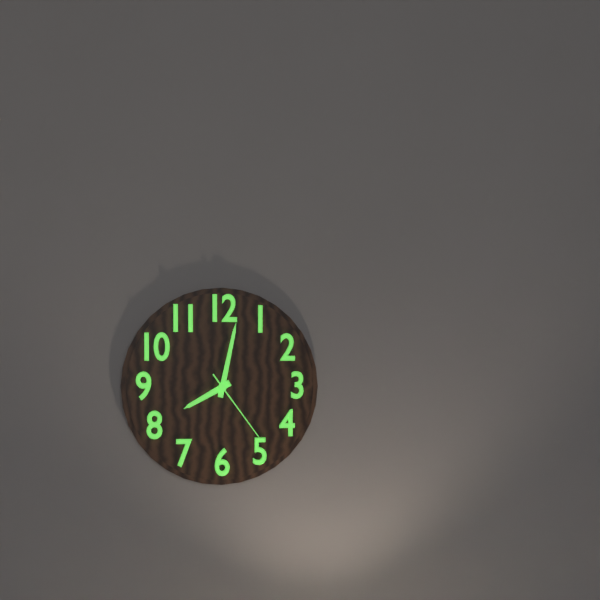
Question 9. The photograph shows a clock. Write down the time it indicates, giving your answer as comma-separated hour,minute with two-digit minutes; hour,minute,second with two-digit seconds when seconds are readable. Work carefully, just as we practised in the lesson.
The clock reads 8,02,24
